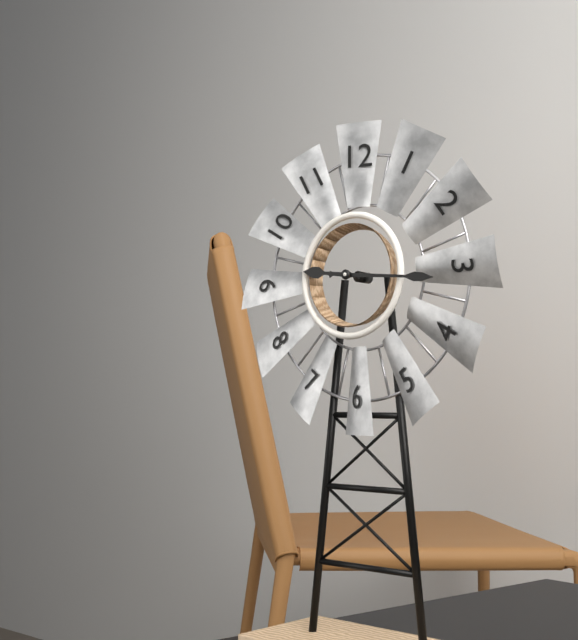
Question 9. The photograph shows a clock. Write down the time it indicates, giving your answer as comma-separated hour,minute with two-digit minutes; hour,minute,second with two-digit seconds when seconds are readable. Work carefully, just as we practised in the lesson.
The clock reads 9,16
